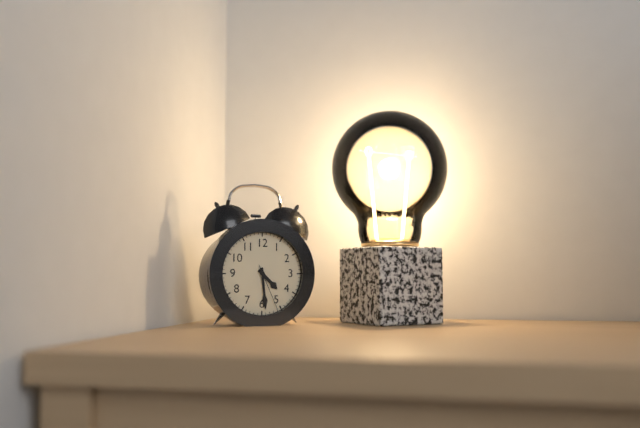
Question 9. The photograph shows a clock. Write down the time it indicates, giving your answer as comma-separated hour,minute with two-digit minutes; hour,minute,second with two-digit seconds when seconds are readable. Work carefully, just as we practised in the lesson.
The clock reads 4,29
